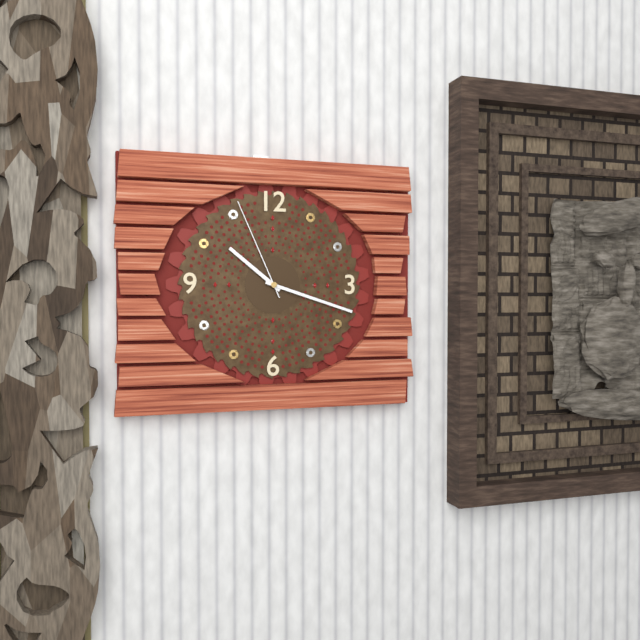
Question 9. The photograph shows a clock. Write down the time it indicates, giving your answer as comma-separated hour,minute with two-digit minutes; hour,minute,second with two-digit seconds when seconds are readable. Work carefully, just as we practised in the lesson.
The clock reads 10,18,56
